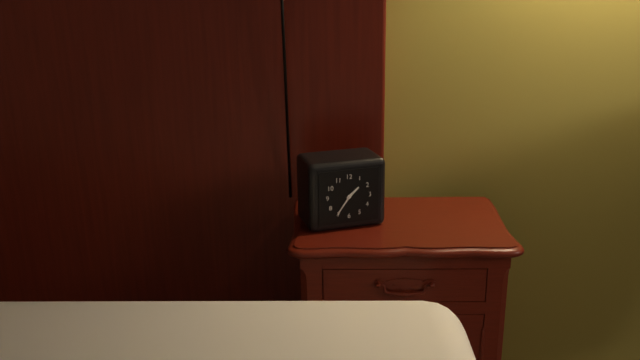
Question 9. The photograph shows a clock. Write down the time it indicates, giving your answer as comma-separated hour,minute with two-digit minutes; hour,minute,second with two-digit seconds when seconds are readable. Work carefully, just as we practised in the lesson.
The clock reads 1,36
